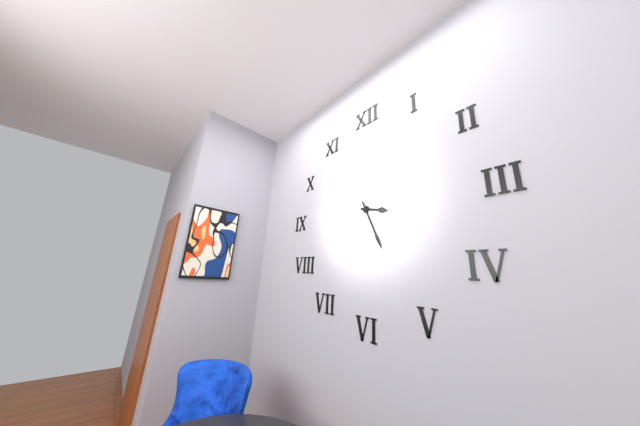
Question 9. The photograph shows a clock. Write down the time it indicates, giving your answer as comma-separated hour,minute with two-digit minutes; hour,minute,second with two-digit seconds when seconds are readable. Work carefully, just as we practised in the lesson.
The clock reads 3,26
